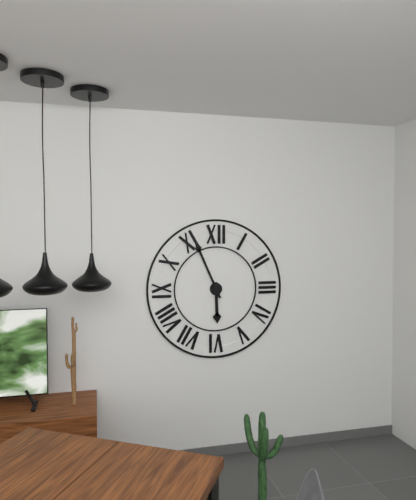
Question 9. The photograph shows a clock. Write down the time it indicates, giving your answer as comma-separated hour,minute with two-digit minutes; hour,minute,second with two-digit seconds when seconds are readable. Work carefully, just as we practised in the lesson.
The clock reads 5,56
